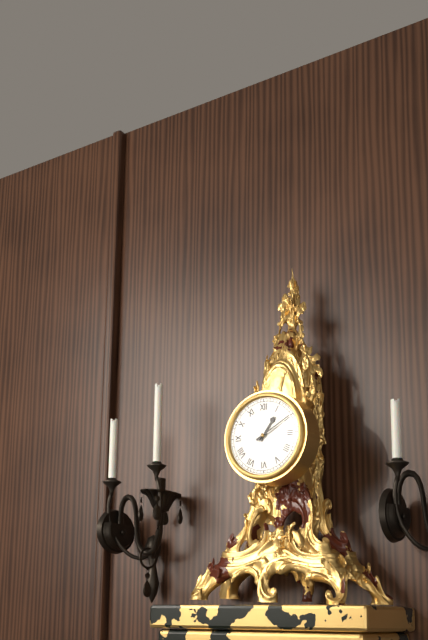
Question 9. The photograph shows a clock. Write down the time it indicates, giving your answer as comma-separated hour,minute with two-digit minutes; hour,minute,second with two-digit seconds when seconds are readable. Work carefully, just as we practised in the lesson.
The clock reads 1,10
